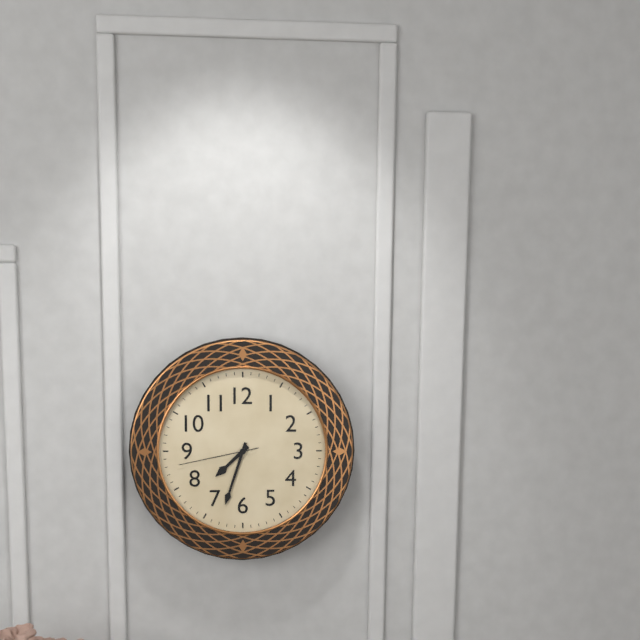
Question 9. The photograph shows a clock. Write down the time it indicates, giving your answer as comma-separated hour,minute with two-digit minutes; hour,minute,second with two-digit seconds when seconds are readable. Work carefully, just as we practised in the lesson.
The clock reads 7,33,43
